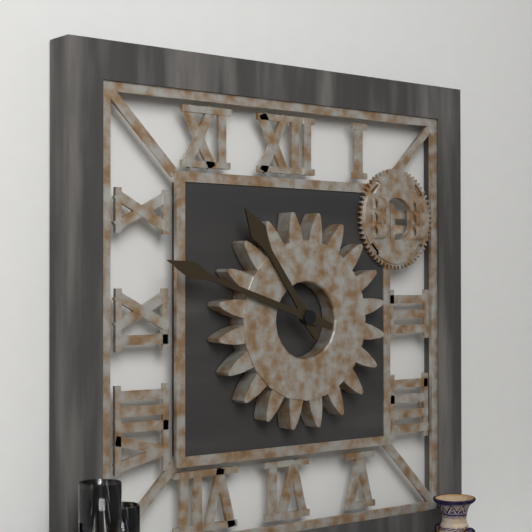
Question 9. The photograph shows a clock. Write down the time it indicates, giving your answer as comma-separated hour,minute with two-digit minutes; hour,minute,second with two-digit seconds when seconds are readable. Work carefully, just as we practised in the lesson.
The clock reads 10,48
